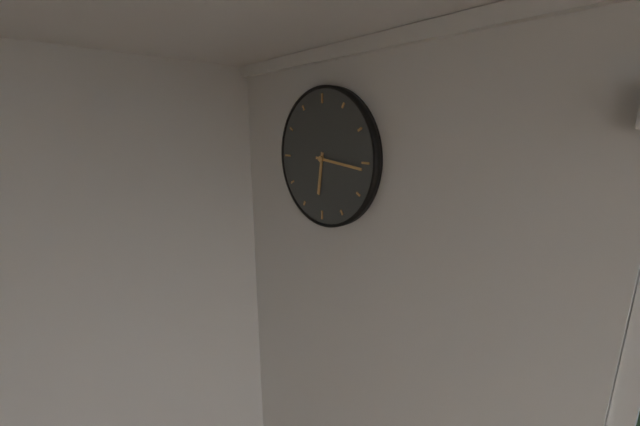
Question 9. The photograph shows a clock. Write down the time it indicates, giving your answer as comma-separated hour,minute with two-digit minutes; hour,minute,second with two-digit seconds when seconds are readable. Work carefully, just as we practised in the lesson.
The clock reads 6,16
